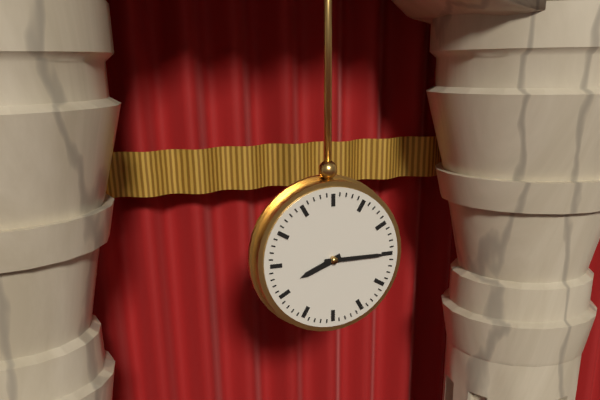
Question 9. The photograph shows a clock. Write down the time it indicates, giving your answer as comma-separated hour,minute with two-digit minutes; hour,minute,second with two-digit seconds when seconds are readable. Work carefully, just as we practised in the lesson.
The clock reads 8,15
